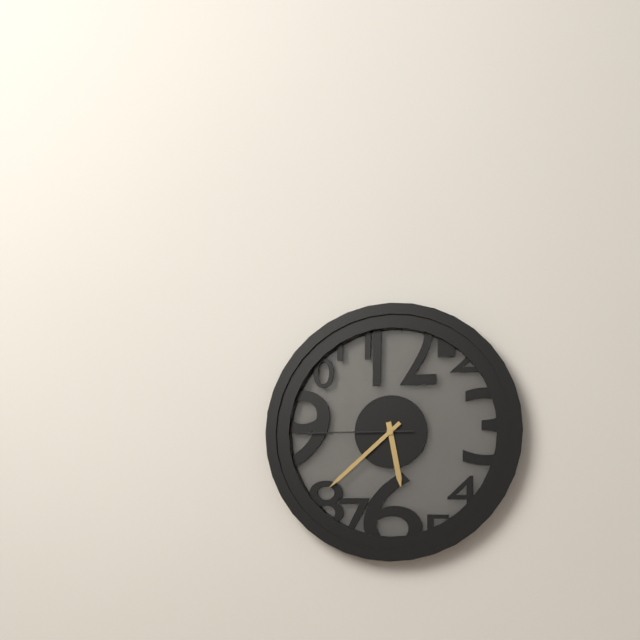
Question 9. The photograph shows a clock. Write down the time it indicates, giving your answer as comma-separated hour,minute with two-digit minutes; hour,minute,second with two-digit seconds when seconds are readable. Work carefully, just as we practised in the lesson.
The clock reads 5,38,45
